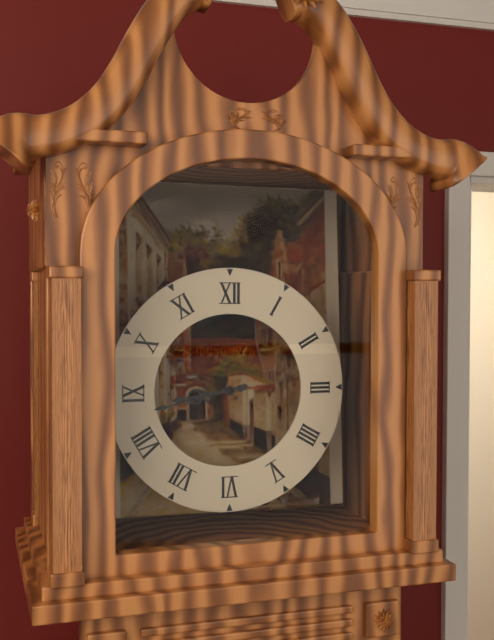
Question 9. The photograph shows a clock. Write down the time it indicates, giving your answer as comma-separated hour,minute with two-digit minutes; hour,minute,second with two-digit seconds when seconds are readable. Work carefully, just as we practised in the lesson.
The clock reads 8,43
